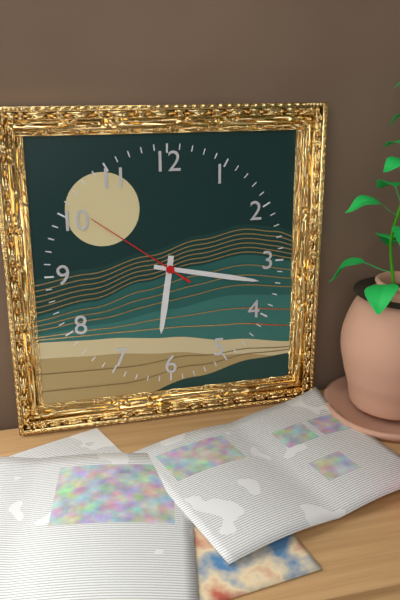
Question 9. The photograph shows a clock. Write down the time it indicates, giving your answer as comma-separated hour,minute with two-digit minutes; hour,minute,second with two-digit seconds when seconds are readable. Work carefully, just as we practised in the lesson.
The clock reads 6,17,51
